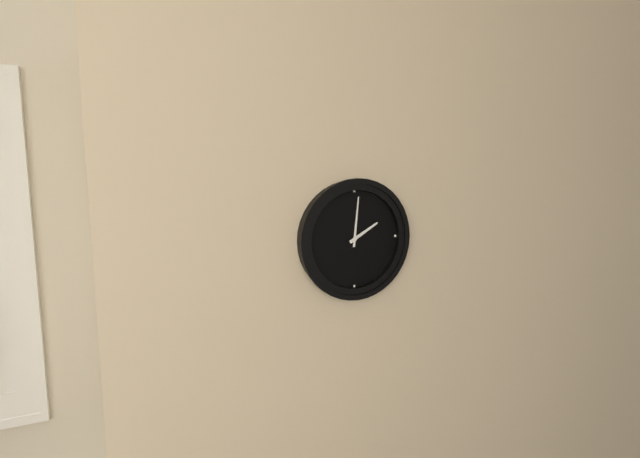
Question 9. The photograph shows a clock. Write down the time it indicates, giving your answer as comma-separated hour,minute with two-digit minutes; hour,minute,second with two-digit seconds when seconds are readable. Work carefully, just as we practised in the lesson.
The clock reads 2,01
